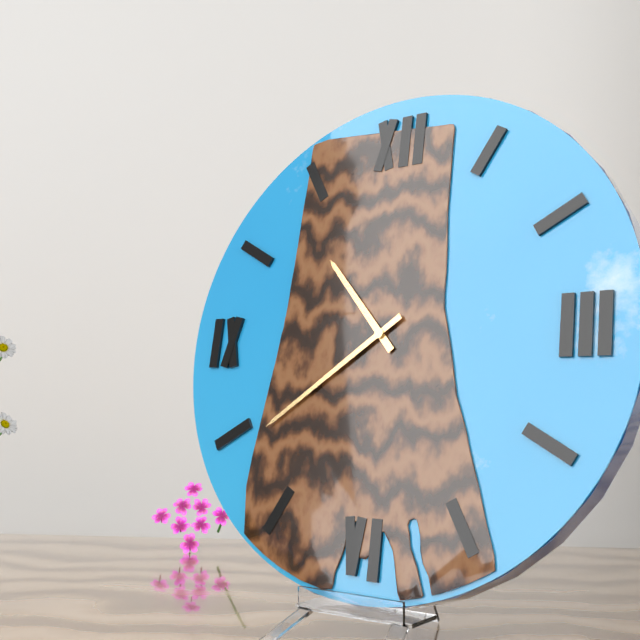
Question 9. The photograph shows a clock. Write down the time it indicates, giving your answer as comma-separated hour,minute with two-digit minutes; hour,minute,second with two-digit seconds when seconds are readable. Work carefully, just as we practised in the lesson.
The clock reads 10,39
